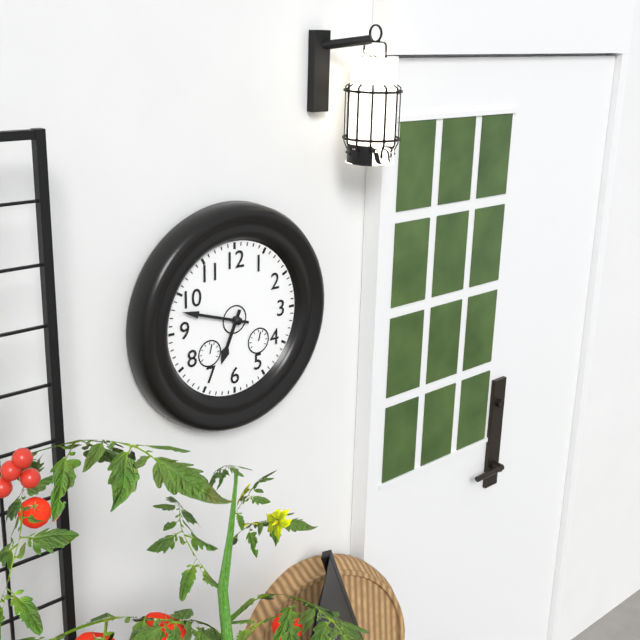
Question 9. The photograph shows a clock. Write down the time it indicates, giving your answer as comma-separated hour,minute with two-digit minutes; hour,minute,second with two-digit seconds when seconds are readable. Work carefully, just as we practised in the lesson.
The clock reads 6,48
